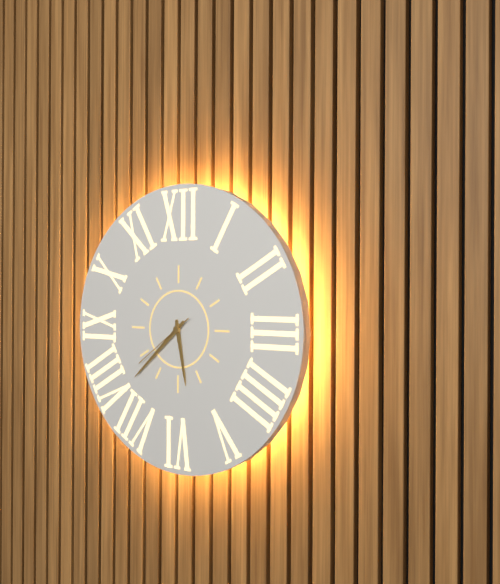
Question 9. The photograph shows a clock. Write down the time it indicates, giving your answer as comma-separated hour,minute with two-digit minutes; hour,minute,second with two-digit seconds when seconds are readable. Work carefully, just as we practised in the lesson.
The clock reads 5,38,39
